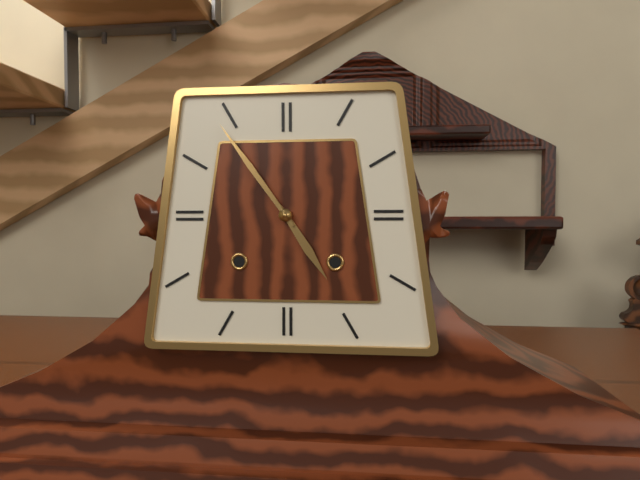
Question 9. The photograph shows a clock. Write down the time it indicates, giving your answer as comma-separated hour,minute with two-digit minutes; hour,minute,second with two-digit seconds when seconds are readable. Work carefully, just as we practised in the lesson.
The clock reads 4,54
